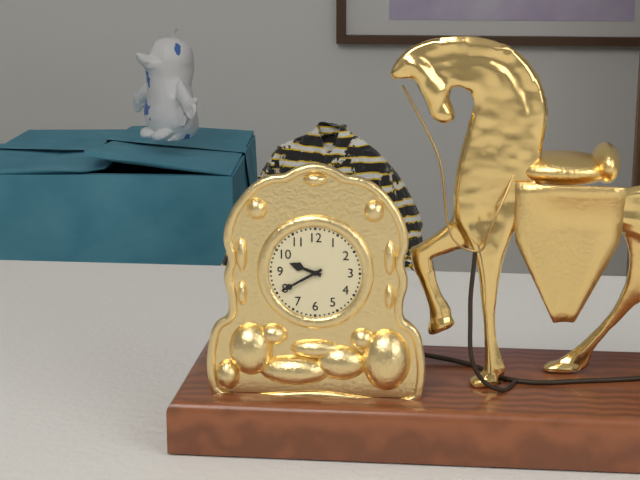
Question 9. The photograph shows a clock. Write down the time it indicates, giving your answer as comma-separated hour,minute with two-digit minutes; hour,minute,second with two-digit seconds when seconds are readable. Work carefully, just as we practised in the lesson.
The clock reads 9,40
